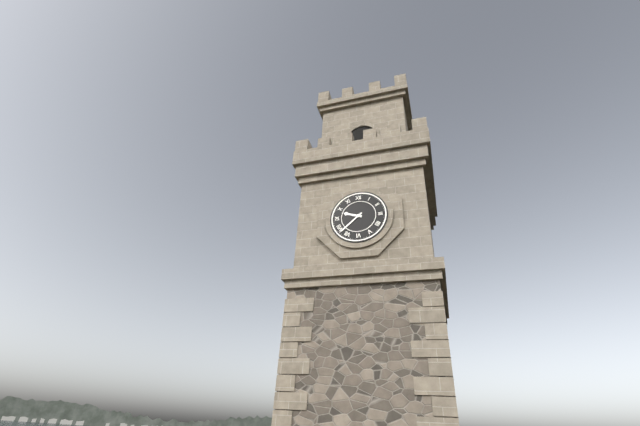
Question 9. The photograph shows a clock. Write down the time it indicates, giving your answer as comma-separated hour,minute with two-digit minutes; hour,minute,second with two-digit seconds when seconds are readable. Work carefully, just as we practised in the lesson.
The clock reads 9,38
